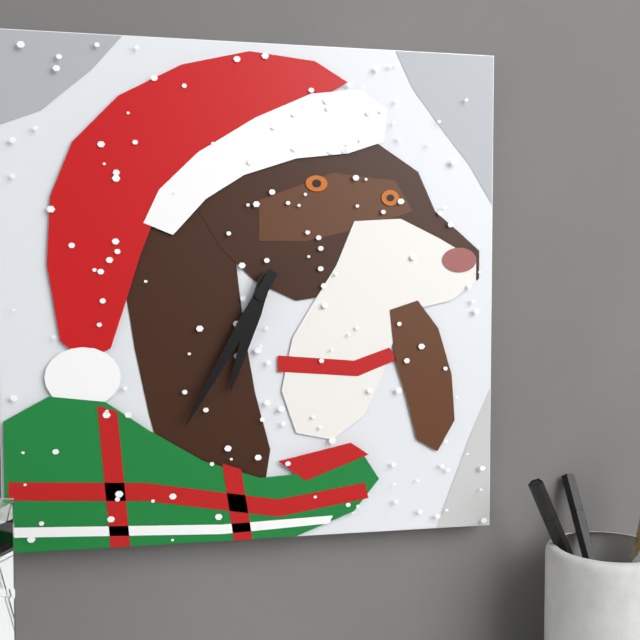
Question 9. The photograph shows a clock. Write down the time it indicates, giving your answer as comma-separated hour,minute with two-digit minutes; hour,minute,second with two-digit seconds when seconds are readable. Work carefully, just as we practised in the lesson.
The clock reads 6,35
